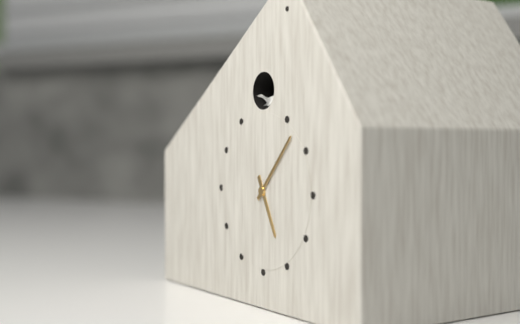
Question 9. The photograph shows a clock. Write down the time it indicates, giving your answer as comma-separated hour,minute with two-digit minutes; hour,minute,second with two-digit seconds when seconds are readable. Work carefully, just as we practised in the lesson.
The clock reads 5,07
